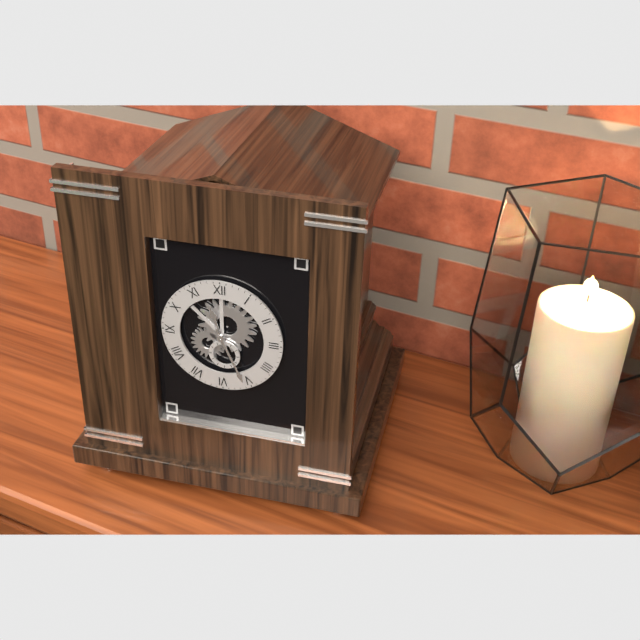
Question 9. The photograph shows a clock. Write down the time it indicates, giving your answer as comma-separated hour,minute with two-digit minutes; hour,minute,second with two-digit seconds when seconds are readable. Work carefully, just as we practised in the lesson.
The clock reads 11,26
